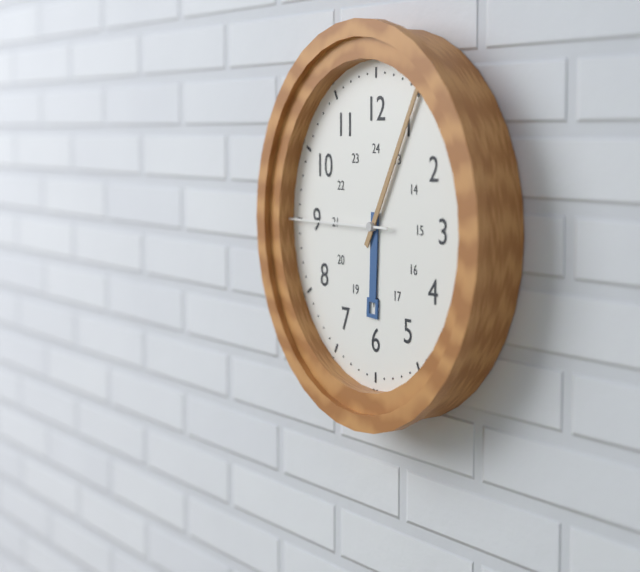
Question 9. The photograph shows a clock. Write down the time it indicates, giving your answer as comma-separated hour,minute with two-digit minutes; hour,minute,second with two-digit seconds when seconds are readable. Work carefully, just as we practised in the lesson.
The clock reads 6,05,45
